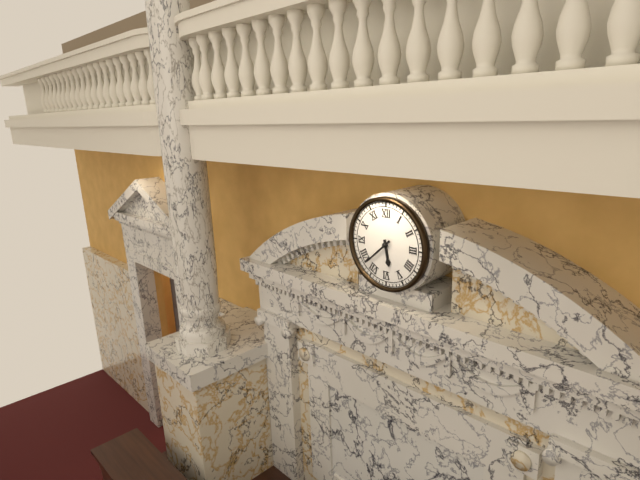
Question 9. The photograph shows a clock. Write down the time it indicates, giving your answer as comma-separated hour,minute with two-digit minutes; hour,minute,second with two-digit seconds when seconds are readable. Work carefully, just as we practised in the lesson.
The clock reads 5,38
